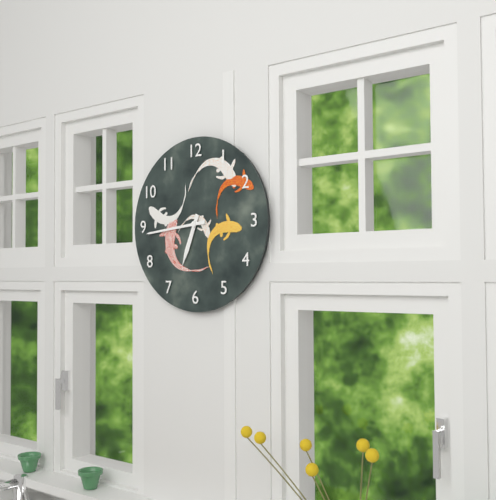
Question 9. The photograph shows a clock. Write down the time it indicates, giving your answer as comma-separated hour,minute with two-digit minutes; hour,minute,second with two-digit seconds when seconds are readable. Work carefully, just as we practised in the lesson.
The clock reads 6,44
